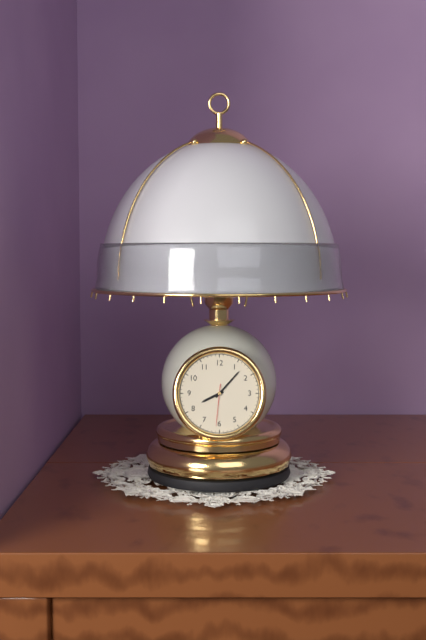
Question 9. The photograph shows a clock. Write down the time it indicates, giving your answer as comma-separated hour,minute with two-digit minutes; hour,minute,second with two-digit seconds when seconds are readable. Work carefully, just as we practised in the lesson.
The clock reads 8,07
